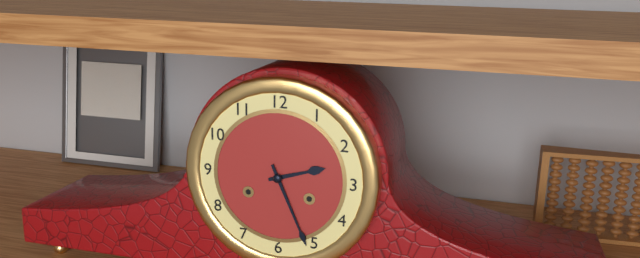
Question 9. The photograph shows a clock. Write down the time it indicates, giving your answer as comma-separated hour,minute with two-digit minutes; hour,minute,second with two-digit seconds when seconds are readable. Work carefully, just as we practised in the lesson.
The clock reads 2,26
